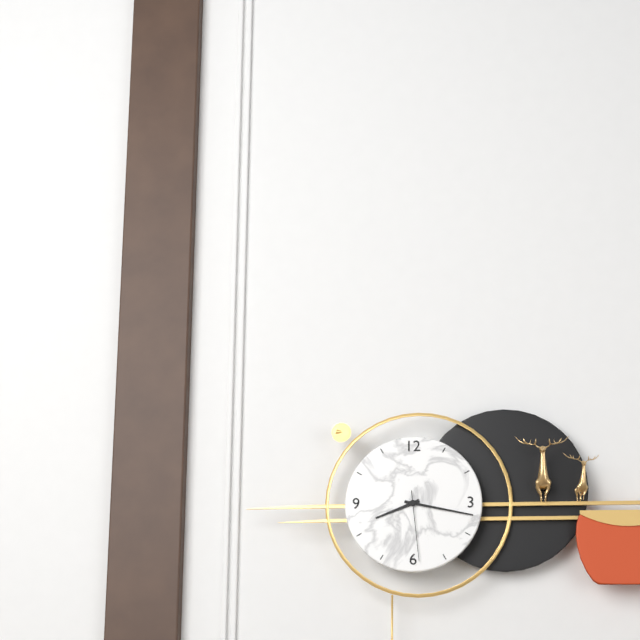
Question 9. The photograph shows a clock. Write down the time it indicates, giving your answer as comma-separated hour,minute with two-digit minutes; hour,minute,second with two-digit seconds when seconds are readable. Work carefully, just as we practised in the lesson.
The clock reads 8,17,29
